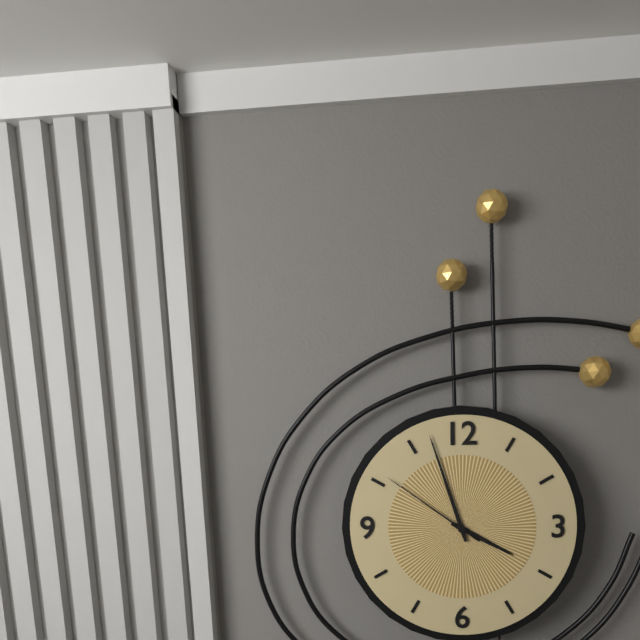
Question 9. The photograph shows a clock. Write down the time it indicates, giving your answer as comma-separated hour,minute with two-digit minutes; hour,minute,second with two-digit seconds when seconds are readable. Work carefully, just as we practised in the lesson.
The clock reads 3,57,51
